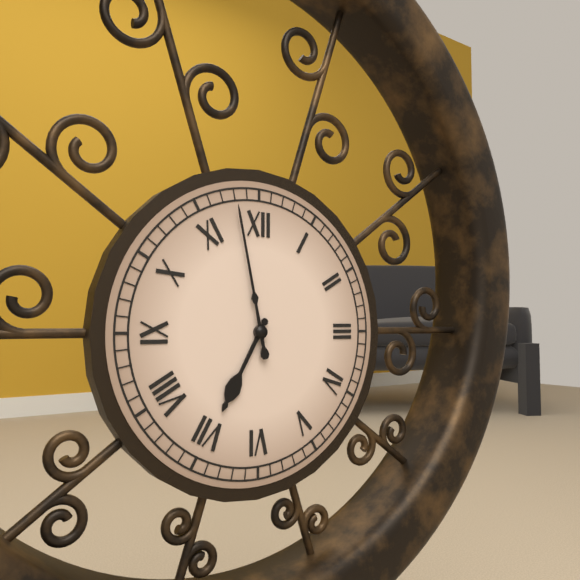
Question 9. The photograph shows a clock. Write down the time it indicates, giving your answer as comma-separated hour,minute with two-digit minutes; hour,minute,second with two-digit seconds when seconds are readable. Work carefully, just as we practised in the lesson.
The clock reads 6,58
